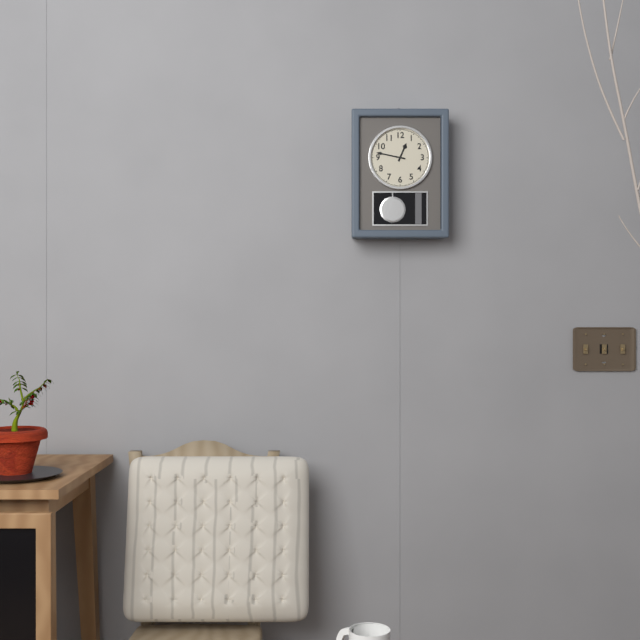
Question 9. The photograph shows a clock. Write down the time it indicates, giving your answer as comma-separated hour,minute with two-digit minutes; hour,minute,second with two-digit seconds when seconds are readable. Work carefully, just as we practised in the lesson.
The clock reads 12,47
